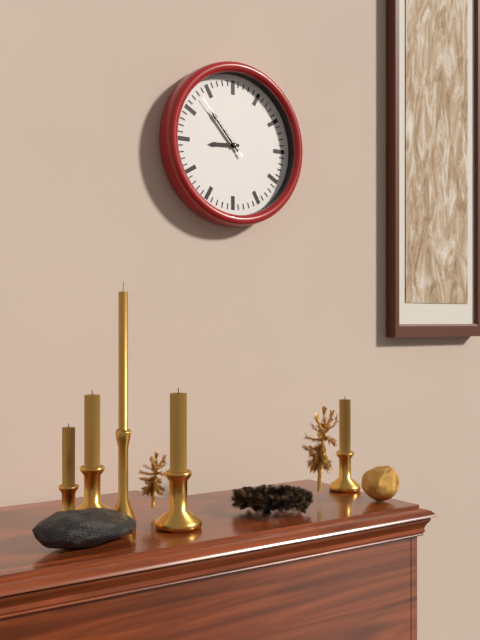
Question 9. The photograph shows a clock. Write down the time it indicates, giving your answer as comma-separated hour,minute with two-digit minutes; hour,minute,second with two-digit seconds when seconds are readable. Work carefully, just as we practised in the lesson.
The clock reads 8,53,53
